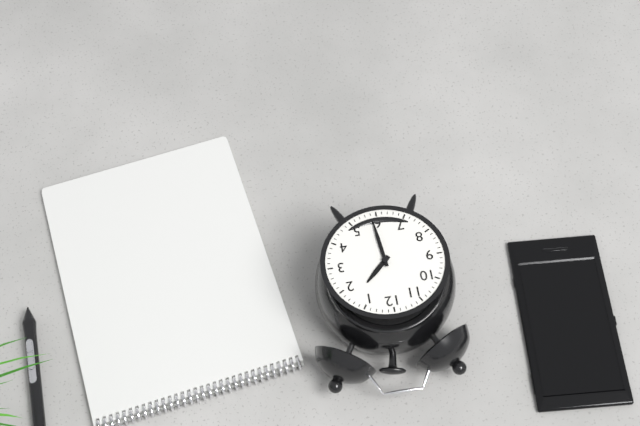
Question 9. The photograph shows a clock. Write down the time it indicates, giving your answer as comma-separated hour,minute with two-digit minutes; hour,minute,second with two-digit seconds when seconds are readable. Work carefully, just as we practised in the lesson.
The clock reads 1,29
